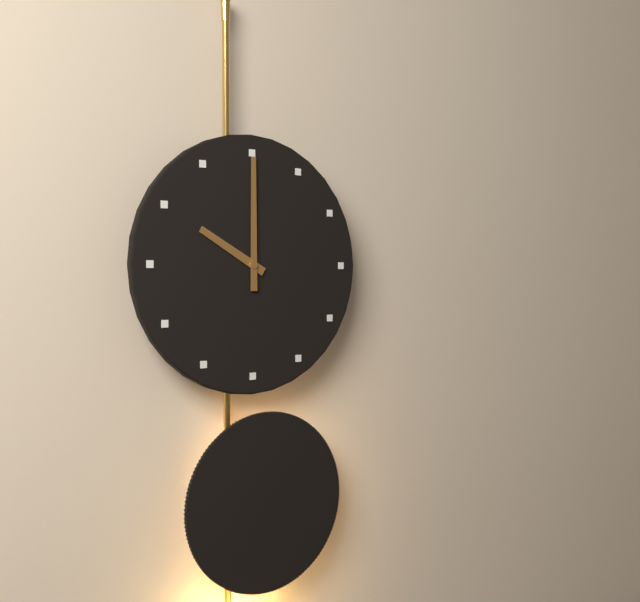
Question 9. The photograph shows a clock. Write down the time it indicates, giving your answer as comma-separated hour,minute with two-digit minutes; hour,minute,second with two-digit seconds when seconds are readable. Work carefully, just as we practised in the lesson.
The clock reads 10,00
